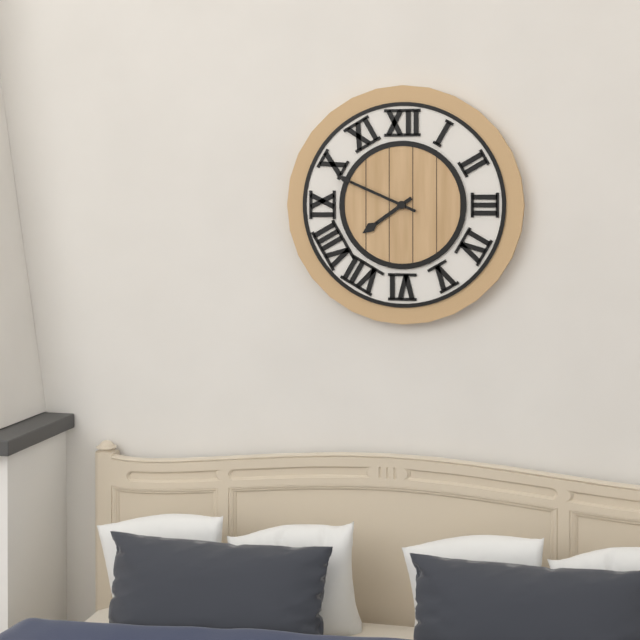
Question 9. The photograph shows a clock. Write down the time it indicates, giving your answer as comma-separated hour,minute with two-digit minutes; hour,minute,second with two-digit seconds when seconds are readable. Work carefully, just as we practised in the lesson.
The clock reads 7,49
